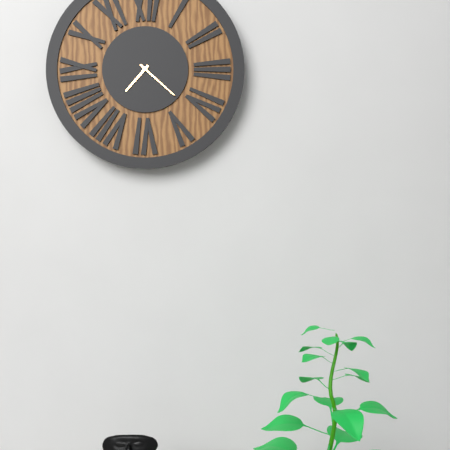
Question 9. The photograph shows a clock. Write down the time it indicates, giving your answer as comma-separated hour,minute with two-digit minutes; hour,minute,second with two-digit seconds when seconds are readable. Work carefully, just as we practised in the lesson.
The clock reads 7,22
